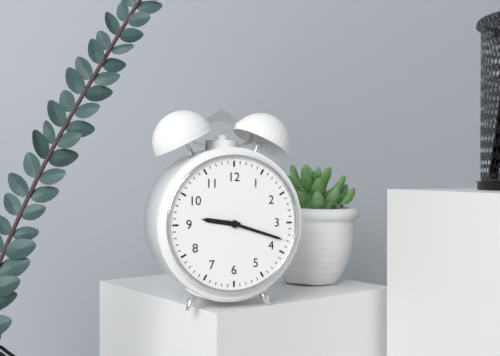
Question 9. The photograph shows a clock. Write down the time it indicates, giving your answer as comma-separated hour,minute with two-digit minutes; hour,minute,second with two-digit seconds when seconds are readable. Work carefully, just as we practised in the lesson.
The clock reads 9,18
